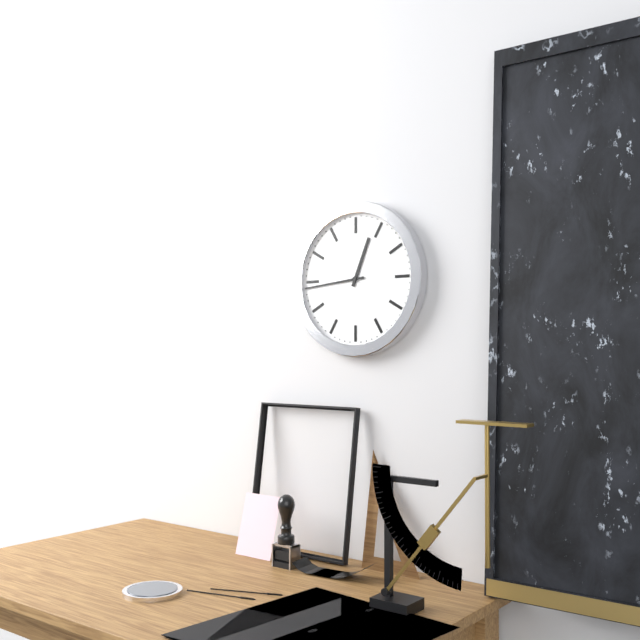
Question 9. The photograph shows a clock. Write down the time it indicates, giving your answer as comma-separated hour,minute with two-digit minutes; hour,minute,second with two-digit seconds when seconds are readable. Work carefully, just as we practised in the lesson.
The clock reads 12,44
